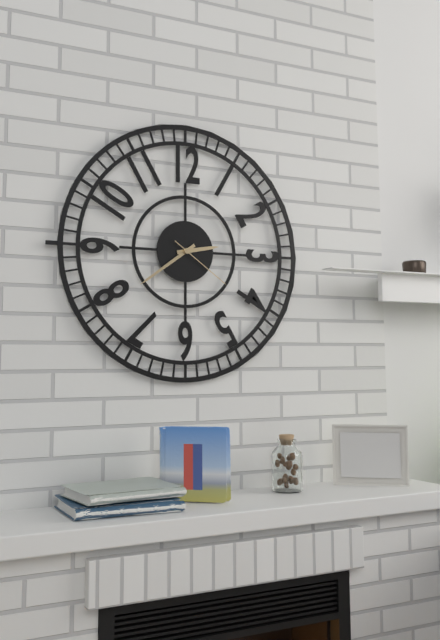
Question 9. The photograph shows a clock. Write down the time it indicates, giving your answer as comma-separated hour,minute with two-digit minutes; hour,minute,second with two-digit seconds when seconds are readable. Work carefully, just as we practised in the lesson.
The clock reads 2,39,21
